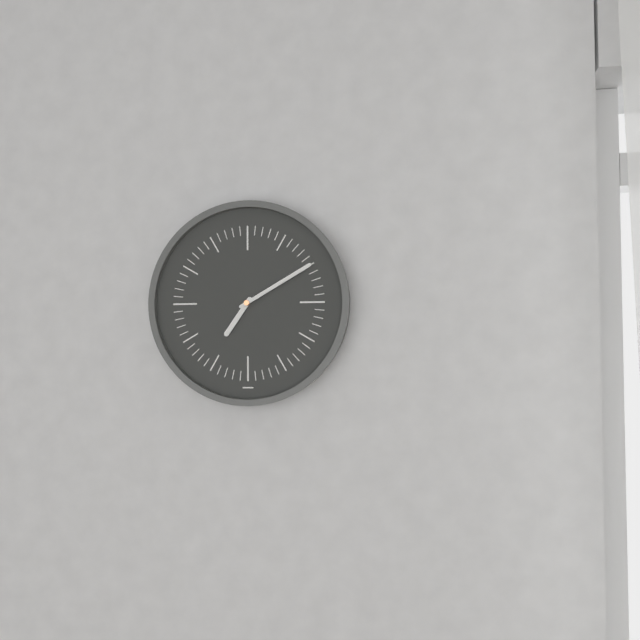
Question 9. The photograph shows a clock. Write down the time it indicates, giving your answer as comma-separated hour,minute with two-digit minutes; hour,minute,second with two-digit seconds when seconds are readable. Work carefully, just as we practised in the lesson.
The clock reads 7,10
